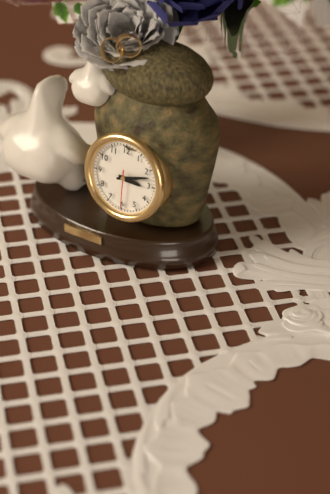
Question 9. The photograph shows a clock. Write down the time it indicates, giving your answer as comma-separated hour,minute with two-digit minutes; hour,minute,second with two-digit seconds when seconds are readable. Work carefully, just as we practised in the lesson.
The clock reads 3,12
